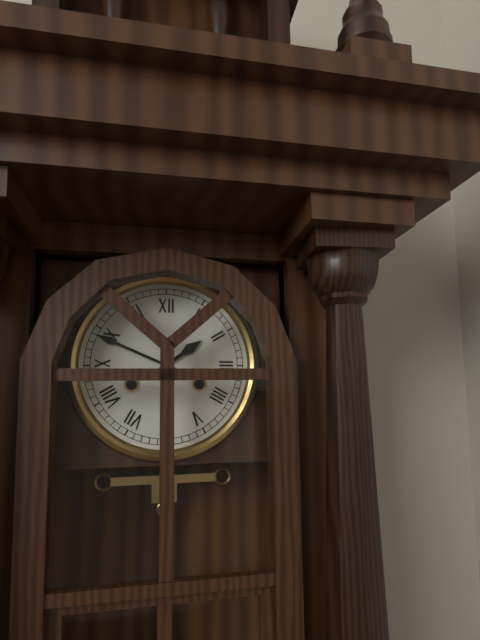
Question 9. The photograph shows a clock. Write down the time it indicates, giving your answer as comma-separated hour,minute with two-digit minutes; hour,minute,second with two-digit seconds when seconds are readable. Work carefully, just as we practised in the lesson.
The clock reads 1,49
